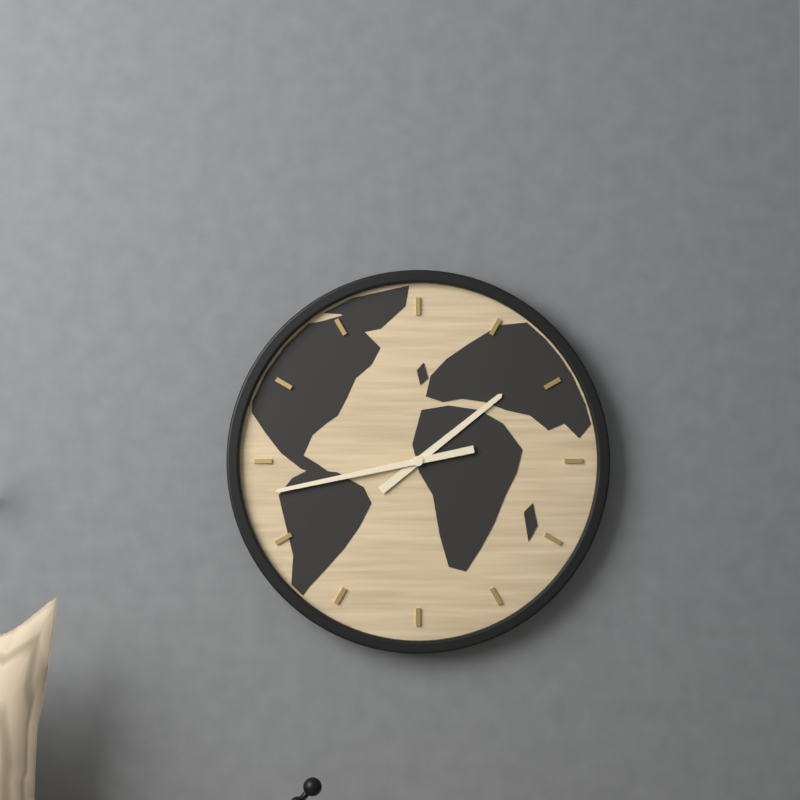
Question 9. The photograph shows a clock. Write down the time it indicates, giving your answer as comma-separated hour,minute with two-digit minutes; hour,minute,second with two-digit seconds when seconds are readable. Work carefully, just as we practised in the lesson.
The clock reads 1,43
